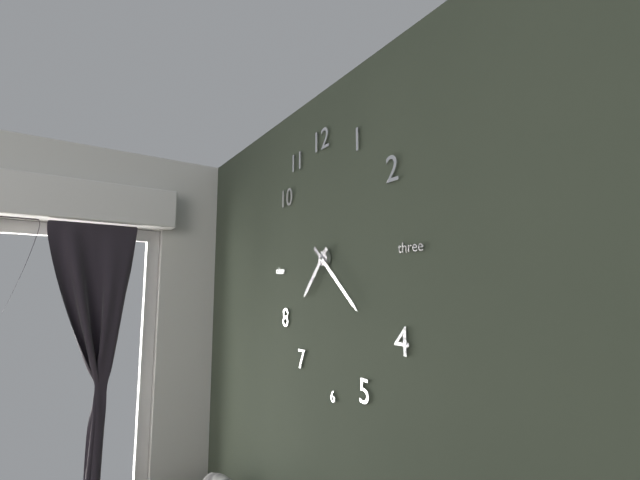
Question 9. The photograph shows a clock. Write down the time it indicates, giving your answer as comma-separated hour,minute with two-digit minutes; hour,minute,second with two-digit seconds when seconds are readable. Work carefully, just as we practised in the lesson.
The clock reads 7,22
